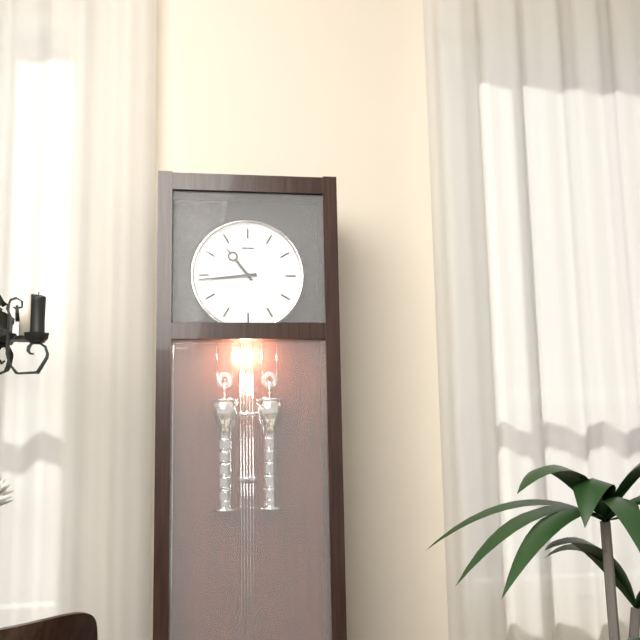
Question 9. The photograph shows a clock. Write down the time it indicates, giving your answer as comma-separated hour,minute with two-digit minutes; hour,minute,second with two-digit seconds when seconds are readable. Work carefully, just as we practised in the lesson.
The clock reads 10,44
